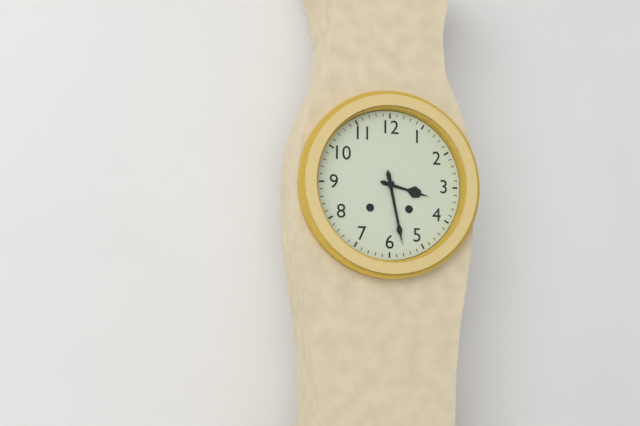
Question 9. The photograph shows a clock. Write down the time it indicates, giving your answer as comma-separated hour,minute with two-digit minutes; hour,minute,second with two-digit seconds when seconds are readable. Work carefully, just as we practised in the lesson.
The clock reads 3,28
